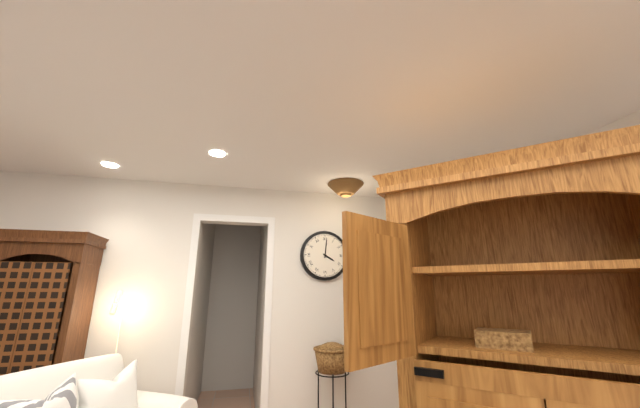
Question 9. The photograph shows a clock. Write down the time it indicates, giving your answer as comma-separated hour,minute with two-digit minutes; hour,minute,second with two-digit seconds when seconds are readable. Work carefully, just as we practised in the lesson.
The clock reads 4,01
